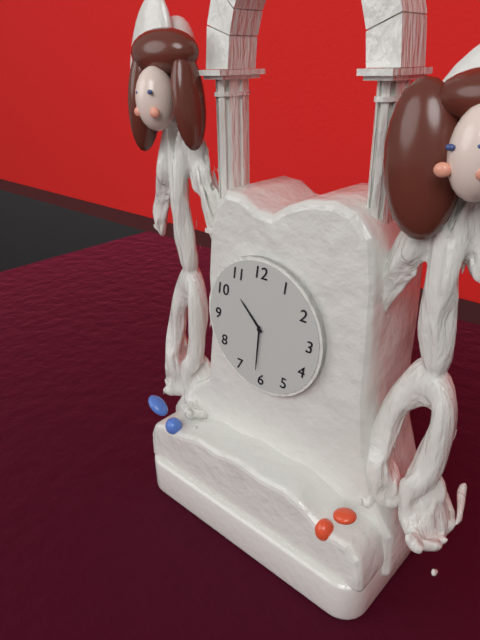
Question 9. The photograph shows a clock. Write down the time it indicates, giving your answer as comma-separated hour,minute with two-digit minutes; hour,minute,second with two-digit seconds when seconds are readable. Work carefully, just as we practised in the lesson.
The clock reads 10,31
